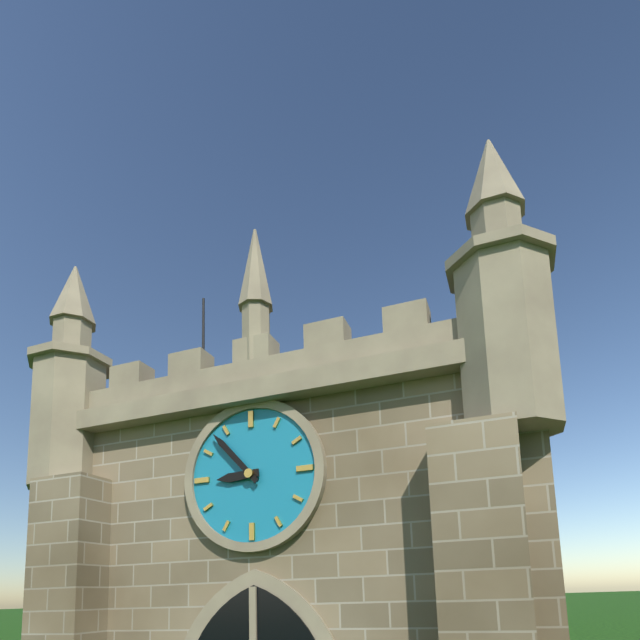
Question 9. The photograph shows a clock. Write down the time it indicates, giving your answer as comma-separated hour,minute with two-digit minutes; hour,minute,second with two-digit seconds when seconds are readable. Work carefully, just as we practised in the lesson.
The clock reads 8,53
